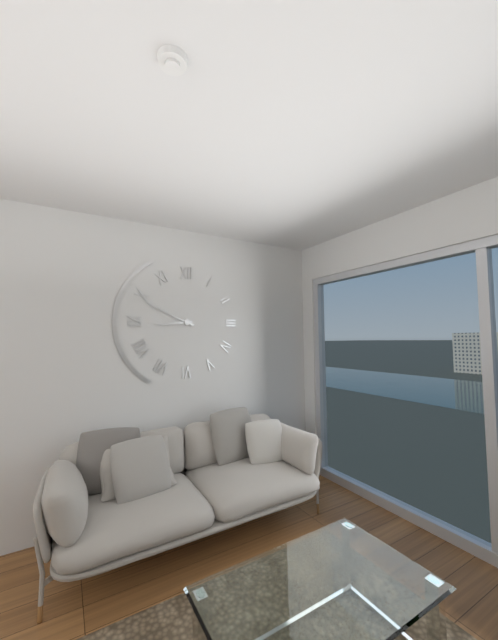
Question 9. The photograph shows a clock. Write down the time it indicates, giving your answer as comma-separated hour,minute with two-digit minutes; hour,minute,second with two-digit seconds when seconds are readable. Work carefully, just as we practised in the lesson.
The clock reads 8,49
